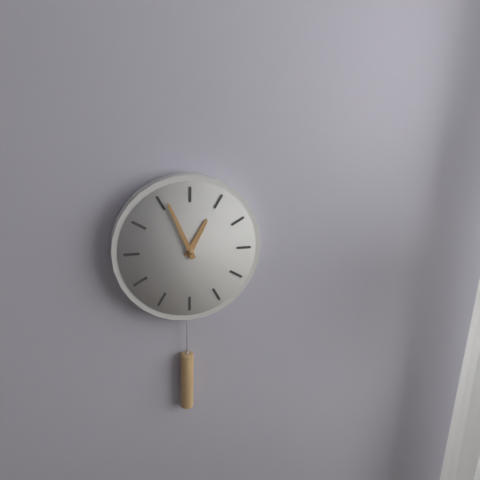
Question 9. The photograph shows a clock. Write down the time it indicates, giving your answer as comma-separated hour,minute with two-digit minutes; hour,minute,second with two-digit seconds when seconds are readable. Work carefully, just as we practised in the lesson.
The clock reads 12,56
